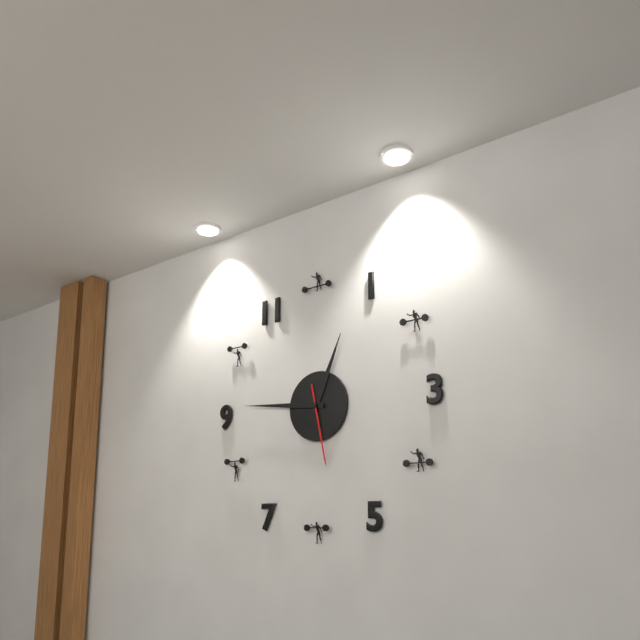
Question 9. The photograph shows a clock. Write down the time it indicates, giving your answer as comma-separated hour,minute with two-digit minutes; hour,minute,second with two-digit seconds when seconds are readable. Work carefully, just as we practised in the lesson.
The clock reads 12,46,28
